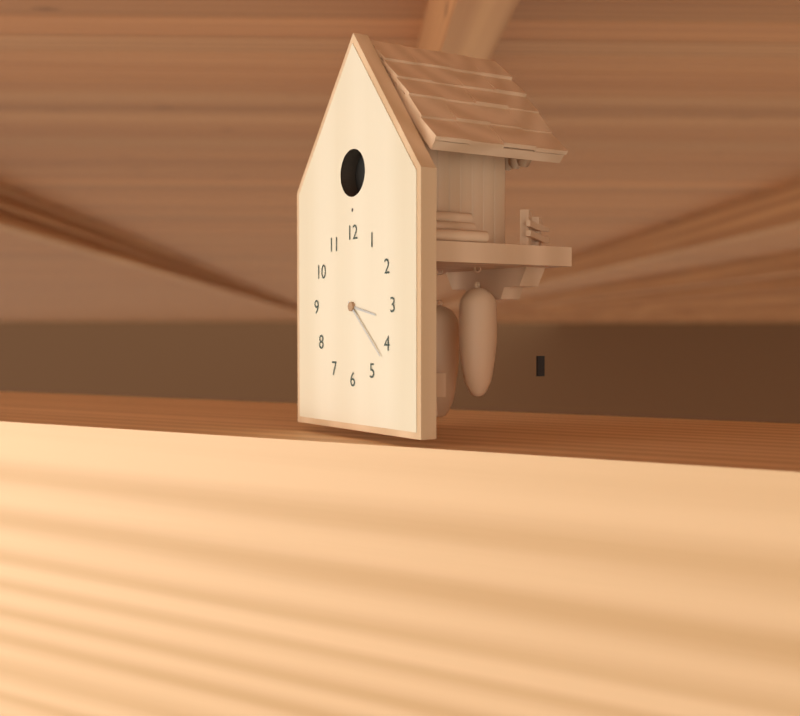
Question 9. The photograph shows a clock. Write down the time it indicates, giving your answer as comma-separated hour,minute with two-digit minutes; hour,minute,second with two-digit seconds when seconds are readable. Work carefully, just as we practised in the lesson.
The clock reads 3,22
